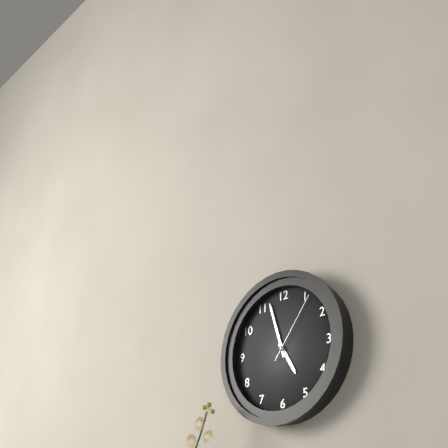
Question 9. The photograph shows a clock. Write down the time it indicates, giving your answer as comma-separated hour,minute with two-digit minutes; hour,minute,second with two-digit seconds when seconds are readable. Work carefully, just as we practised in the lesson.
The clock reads 4,57,06
